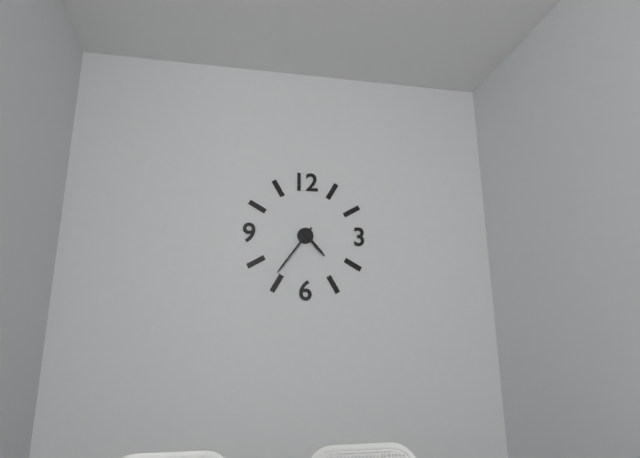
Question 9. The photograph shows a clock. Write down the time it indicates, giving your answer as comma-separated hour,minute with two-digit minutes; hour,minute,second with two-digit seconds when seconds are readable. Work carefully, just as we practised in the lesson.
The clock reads 4,36
